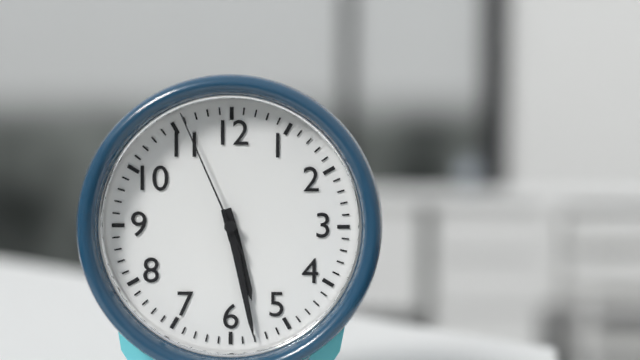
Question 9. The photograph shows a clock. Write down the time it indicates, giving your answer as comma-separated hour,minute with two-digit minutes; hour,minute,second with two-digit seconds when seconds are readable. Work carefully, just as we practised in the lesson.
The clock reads 5,28,56
